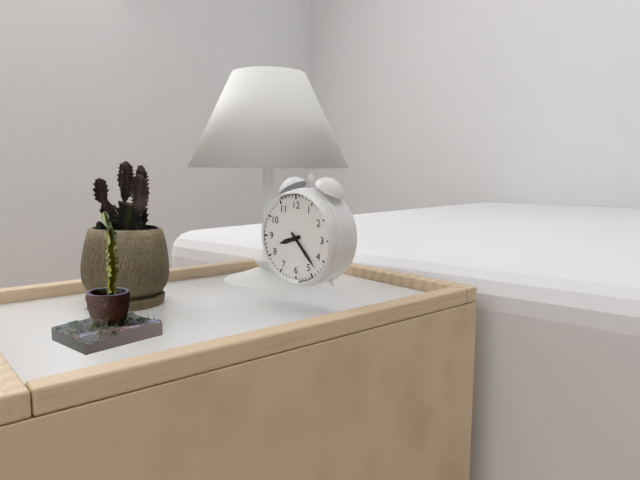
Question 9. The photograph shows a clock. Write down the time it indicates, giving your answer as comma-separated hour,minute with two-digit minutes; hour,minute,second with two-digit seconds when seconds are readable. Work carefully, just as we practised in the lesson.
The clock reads 8,23
